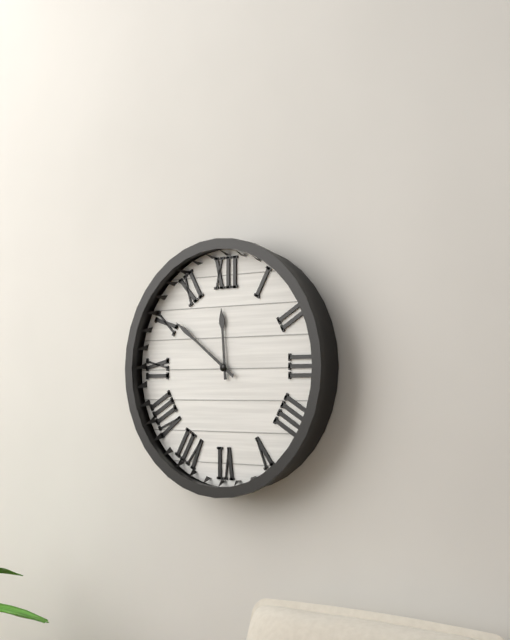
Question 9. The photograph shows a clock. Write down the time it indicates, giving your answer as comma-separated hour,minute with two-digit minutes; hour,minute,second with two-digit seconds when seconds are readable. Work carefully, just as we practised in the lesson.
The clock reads 11,51
